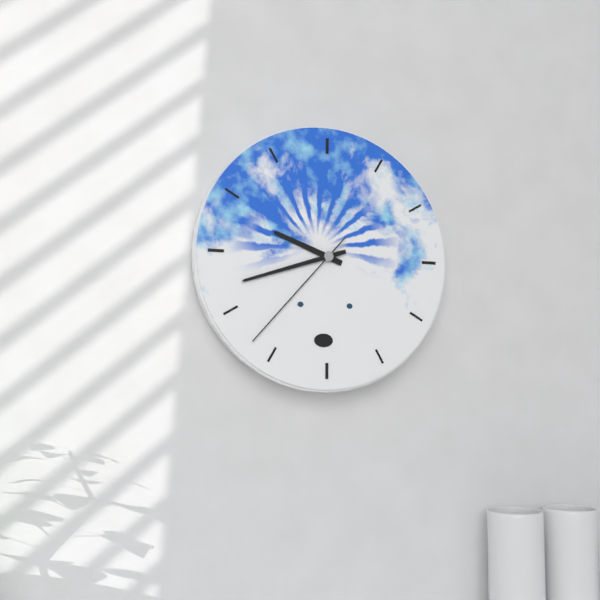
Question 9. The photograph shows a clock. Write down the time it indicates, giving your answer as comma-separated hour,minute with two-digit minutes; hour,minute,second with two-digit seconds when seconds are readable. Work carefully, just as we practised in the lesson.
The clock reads 9,42,37
